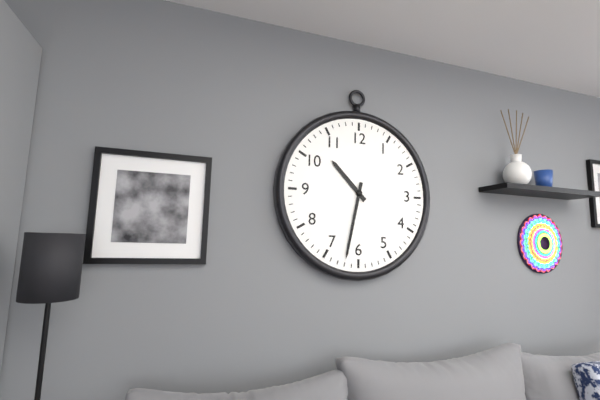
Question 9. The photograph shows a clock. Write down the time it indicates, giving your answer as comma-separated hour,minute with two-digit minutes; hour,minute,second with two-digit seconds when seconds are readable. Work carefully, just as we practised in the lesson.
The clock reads 10,32
